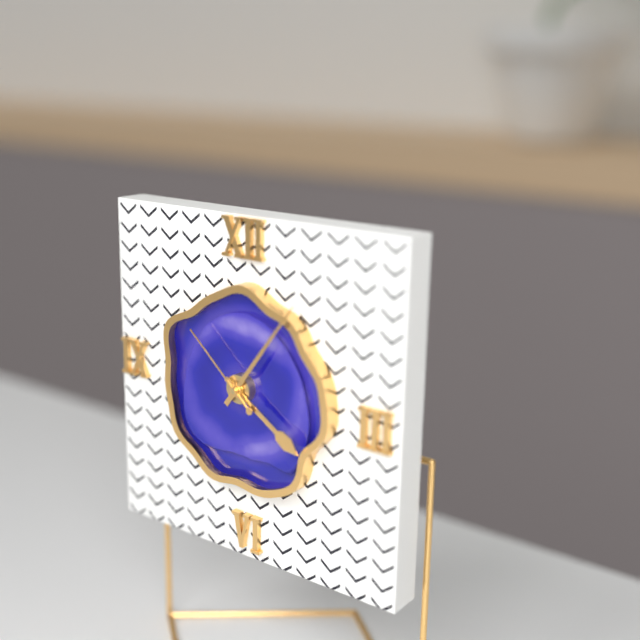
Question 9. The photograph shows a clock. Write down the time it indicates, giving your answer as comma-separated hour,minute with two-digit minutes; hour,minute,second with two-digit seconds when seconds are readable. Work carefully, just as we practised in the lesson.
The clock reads 4,06,52
